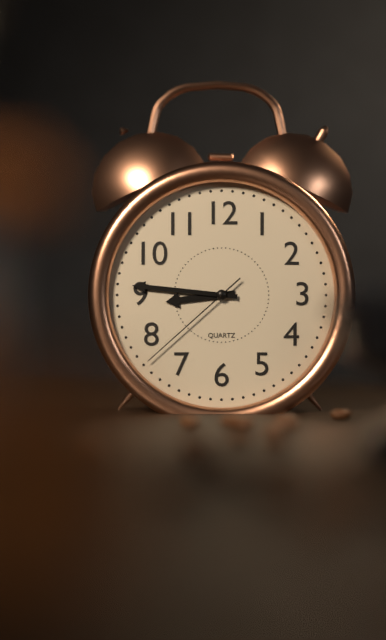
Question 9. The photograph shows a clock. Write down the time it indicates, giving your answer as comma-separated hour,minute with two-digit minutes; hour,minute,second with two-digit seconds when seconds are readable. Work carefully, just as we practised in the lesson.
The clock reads 8,46,38
